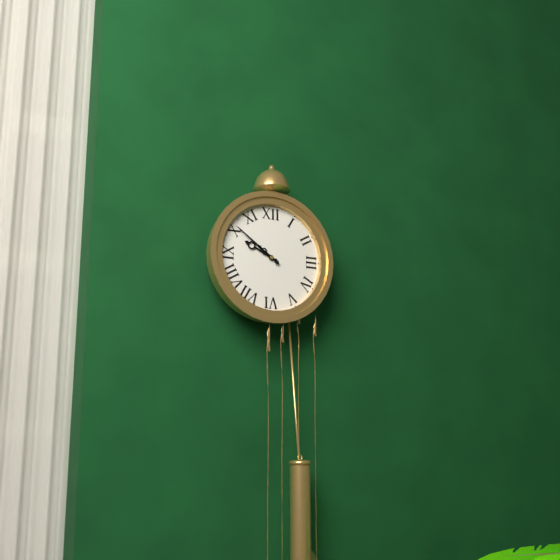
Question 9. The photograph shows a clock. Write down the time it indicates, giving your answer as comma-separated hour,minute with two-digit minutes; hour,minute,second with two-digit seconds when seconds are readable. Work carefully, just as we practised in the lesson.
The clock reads 9,51
